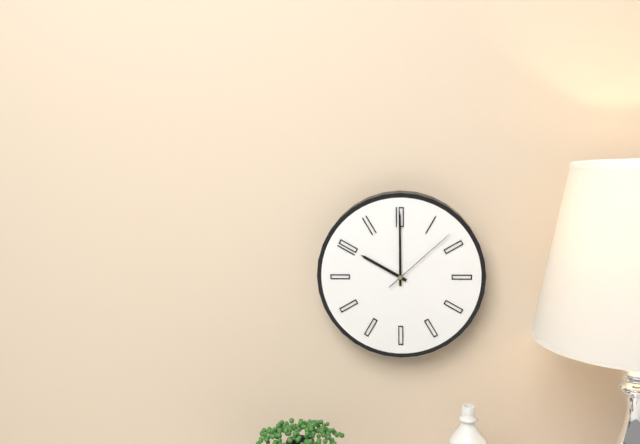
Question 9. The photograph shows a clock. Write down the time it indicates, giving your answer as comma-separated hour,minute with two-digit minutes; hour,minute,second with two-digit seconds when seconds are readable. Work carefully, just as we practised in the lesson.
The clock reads 10,00,08
